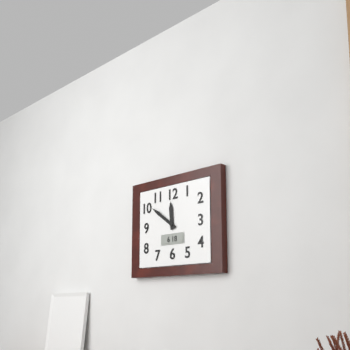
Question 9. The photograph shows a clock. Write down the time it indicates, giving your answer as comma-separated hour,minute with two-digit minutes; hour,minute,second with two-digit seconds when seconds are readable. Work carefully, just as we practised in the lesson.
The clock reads 11,51
